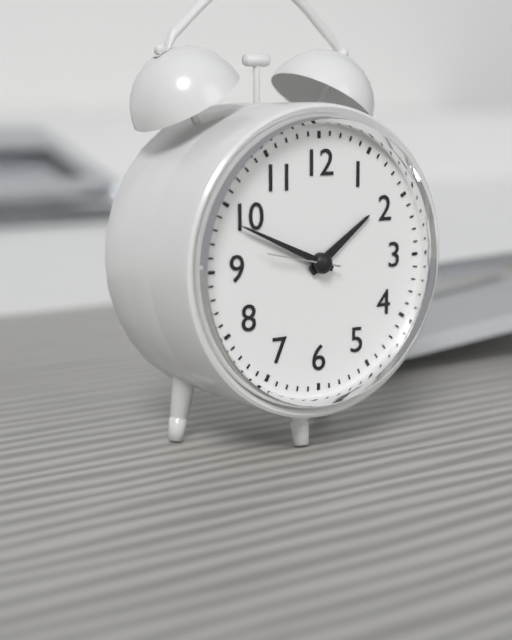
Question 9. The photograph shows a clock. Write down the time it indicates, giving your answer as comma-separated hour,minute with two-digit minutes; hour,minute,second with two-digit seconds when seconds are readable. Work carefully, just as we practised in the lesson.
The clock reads 1,49,47
